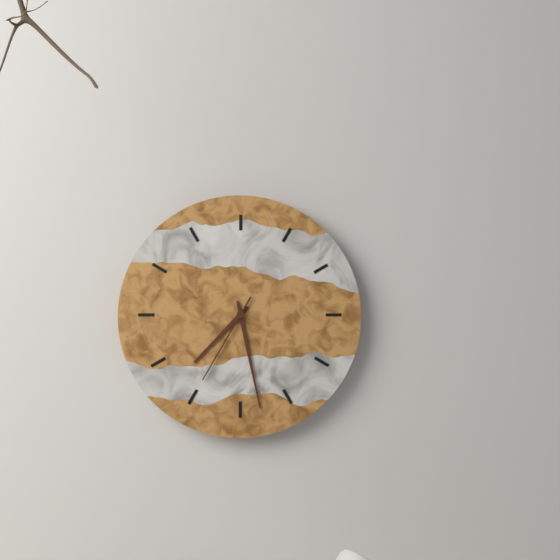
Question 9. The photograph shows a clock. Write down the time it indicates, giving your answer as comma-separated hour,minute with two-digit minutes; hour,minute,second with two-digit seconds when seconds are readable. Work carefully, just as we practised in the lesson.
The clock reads 7,28,35
